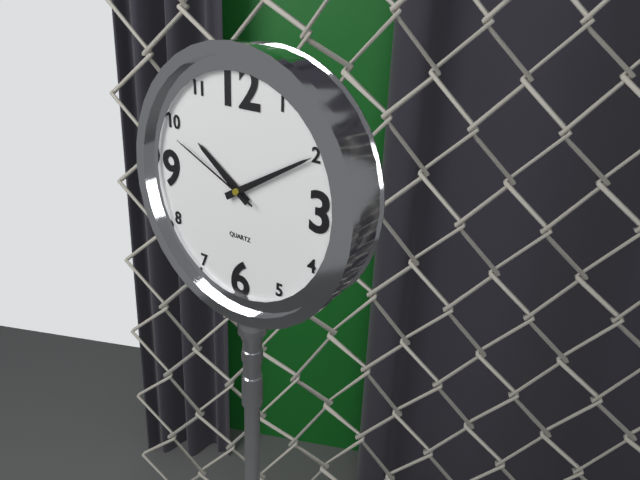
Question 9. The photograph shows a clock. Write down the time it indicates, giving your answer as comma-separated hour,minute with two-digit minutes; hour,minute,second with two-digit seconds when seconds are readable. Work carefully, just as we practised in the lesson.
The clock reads 10,10,49
